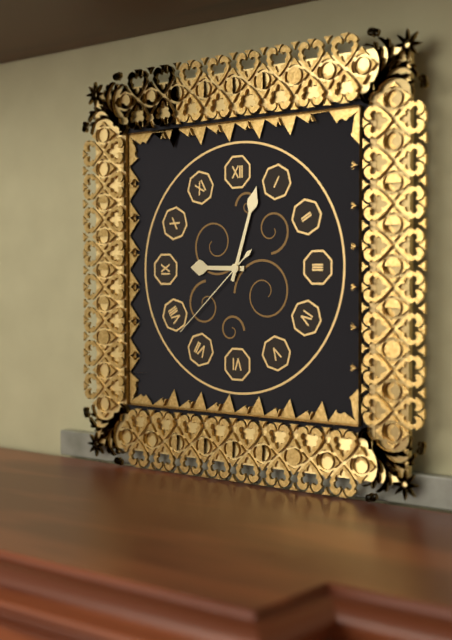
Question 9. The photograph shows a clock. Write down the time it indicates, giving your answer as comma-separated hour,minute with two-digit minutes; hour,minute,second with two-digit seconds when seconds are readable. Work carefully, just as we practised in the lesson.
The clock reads 9,03,38
